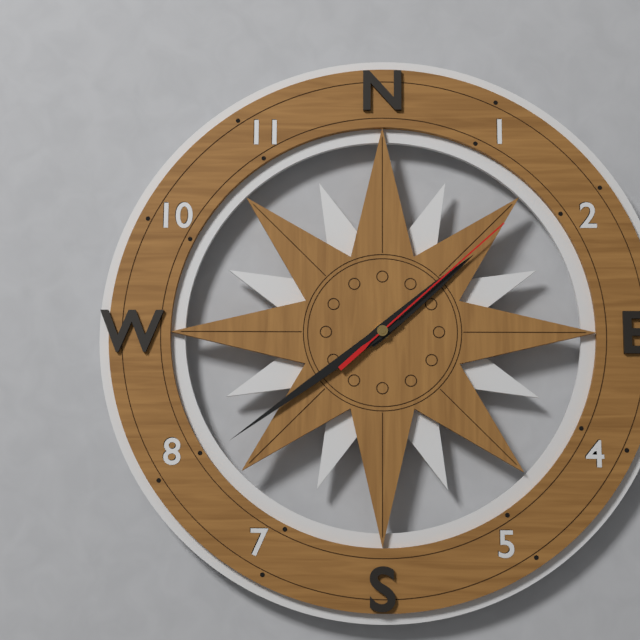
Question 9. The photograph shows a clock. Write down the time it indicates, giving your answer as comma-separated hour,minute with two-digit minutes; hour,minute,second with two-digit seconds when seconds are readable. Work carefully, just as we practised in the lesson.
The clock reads 1,39,08
